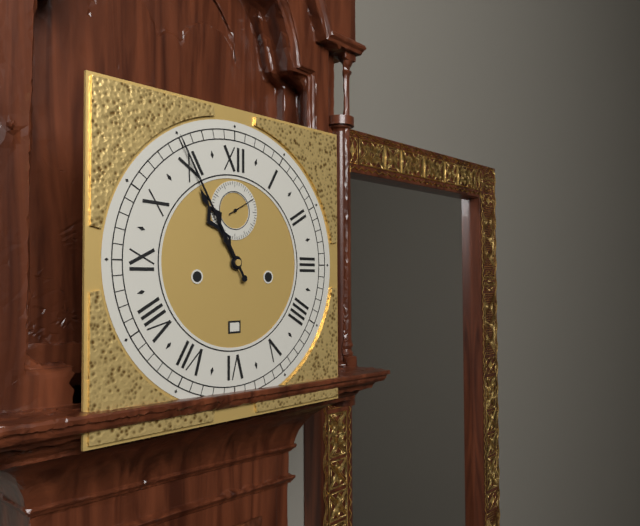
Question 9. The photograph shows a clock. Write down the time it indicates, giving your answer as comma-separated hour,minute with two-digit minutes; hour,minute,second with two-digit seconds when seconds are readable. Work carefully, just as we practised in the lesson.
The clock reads 10,55
